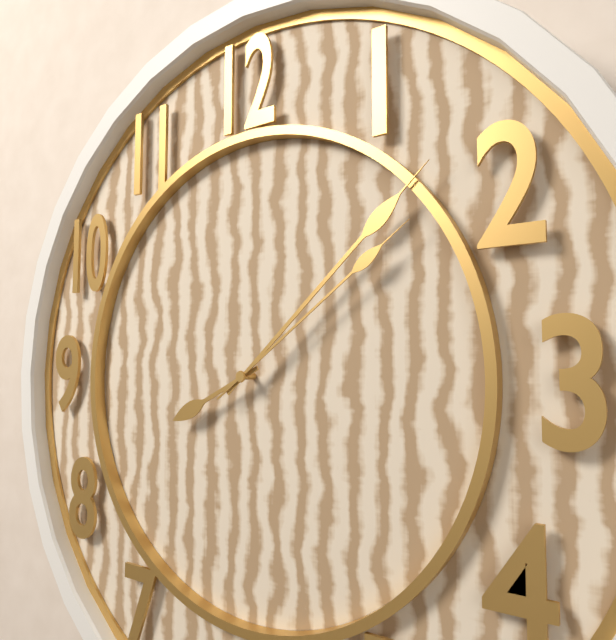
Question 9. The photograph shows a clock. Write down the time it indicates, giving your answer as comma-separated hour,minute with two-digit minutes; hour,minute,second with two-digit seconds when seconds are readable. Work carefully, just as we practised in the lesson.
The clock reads 8,08,09
